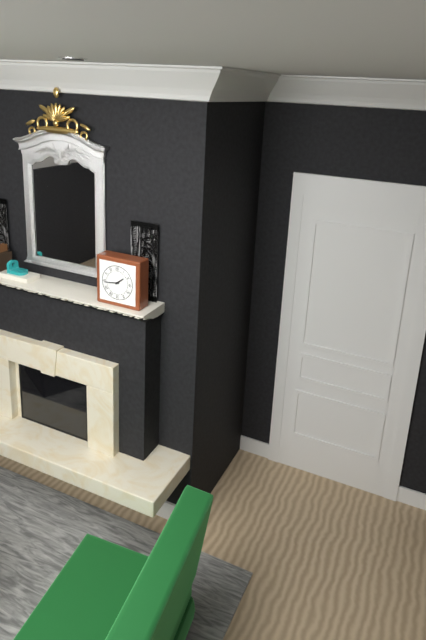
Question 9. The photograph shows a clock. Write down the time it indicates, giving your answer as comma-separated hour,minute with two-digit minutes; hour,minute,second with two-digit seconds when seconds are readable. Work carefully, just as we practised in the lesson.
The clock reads 1,44
